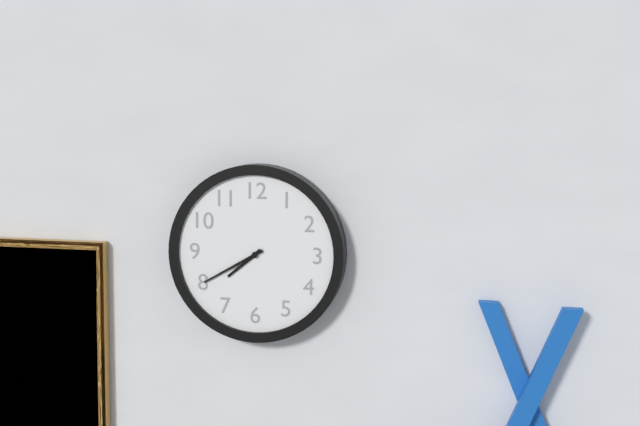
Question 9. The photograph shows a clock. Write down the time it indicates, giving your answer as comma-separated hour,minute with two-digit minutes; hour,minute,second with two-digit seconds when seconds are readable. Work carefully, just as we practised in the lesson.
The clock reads 7,40
